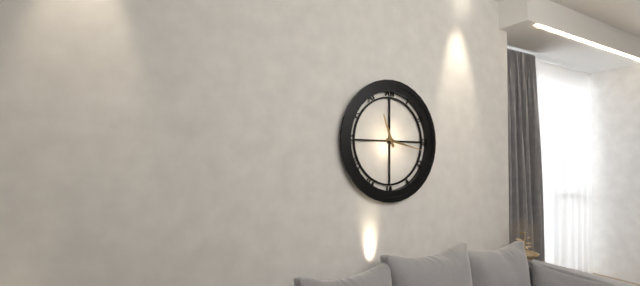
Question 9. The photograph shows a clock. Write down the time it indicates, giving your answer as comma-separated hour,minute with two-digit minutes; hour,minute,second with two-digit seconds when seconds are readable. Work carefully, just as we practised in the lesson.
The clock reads 11,17
